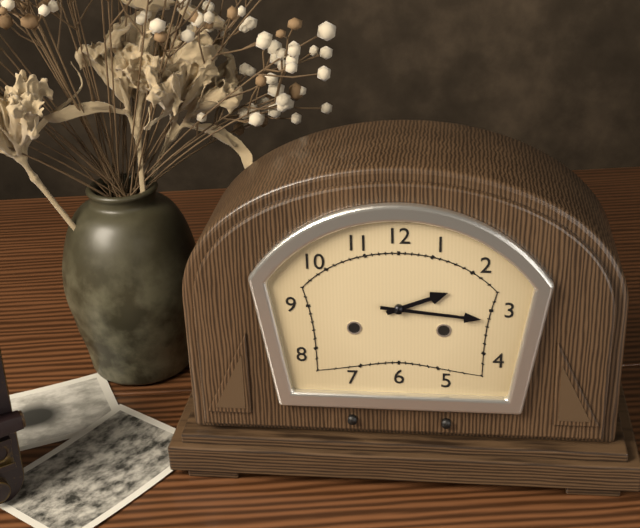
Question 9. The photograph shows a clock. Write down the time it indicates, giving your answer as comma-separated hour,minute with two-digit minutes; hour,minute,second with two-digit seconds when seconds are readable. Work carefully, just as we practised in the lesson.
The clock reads 2,16
